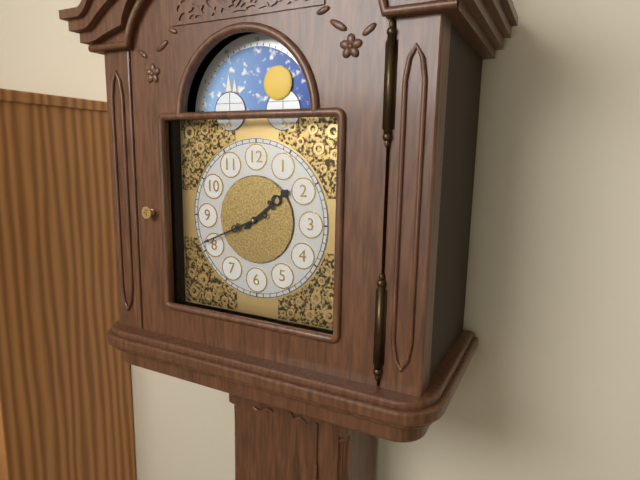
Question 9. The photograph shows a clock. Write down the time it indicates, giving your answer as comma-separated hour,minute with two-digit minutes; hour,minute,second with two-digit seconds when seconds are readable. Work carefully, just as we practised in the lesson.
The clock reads 1,41
